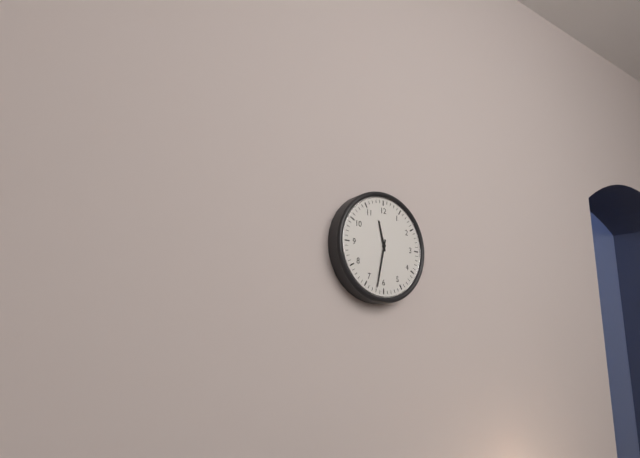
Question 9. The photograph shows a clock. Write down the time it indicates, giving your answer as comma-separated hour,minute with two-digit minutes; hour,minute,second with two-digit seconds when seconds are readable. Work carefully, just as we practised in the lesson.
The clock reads 11,32
